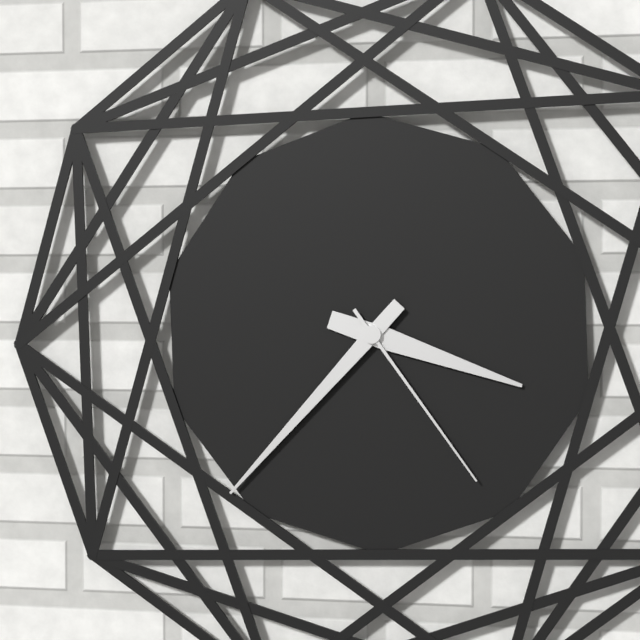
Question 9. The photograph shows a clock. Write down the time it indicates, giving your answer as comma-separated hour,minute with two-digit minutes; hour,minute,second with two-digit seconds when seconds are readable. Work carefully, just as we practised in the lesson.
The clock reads 3,37,24
